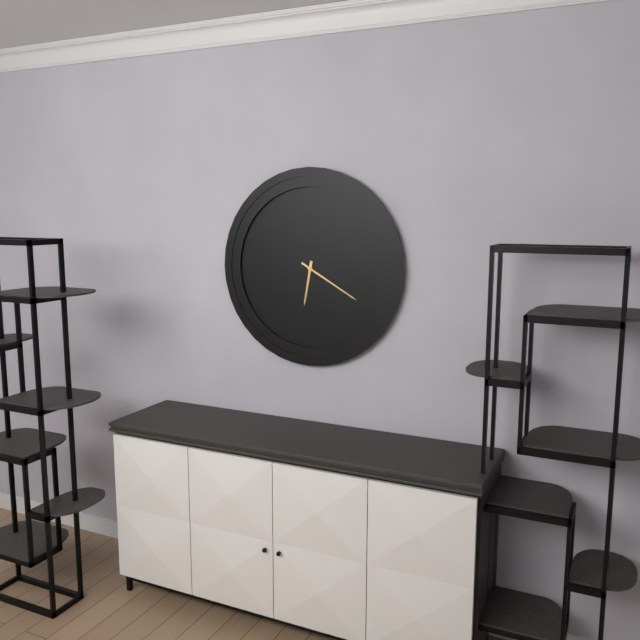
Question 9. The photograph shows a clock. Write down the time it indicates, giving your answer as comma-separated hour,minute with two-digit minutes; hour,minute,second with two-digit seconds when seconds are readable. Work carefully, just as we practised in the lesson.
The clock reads 6,20
